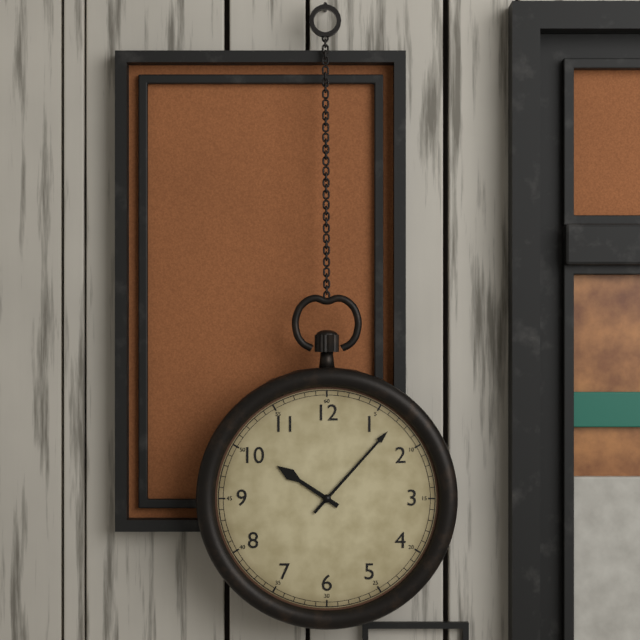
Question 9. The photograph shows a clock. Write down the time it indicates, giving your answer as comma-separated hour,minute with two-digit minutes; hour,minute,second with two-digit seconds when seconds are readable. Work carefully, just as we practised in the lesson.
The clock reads 10,07
